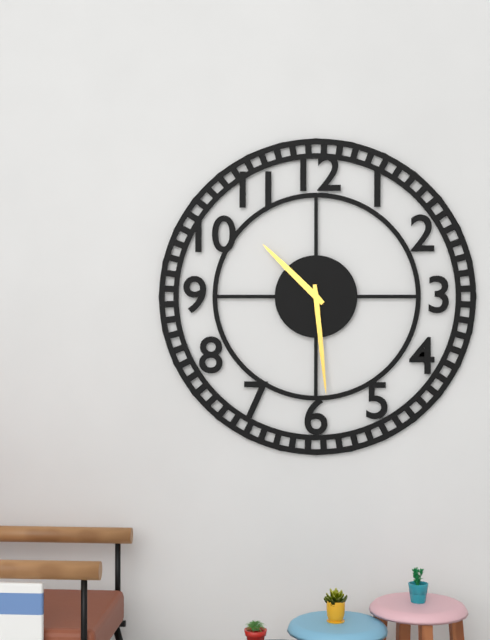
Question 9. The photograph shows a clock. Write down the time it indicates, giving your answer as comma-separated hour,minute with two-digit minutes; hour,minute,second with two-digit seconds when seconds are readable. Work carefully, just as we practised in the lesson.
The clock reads 10,29
